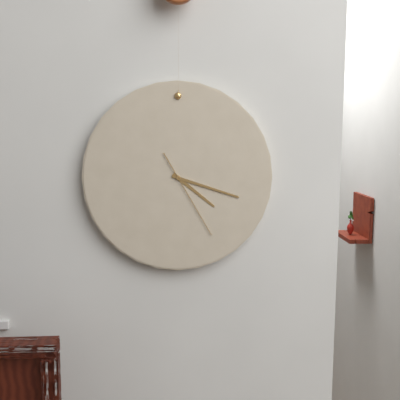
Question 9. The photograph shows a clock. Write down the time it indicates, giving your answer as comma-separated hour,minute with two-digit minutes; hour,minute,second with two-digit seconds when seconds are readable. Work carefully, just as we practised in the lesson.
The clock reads 4,18,25
